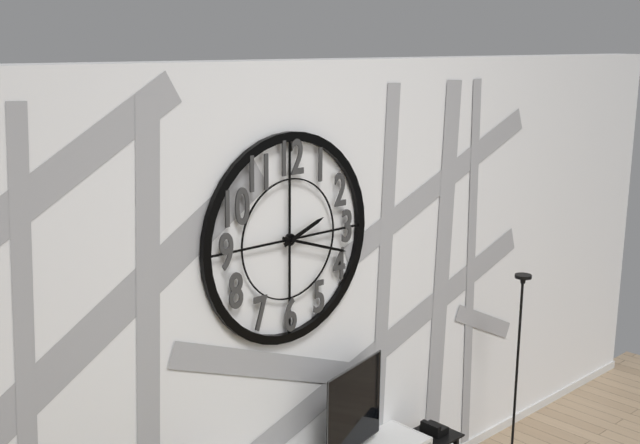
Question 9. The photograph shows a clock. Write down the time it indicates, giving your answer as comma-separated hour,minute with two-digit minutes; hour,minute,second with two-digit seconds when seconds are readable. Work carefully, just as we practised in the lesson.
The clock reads 2,18
